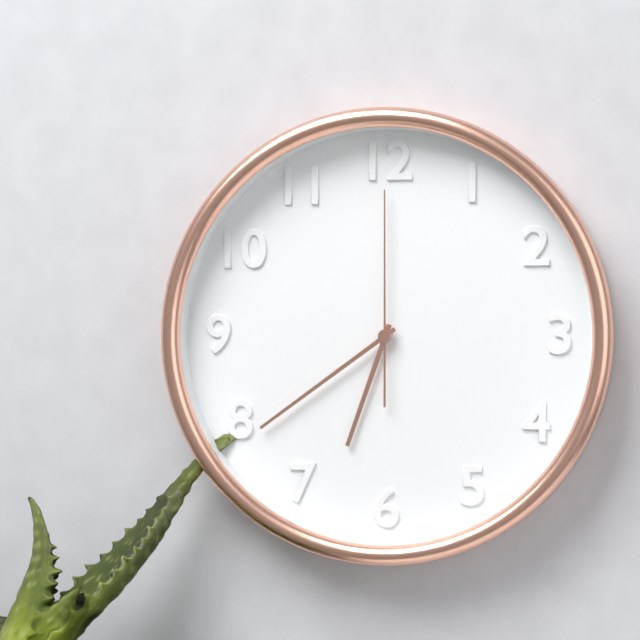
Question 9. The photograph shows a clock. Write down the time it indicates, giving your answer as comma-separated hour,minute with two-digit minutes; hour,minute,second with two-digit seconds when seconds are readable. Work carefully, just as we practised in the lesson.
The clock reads 6,39,00
